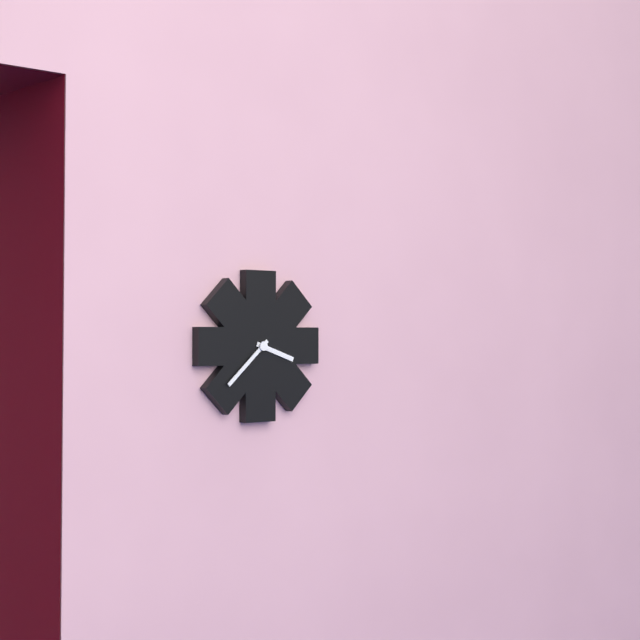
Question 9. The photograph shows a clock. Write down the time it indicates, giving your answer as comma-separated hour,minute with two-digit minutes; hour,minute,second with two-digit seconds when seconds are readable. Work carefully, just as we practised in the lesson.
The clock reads 3,38
